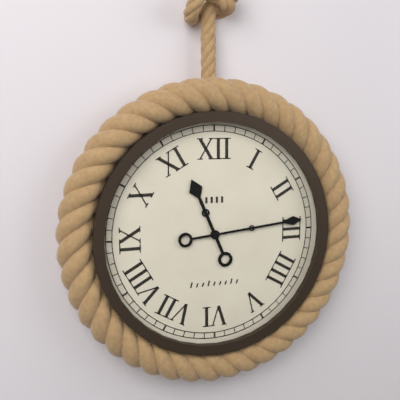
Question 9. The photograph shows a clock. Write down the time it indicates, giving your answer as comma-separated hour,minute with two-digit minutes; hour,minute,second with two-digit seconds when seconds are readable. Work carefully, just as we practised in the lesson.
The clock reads 11,14
